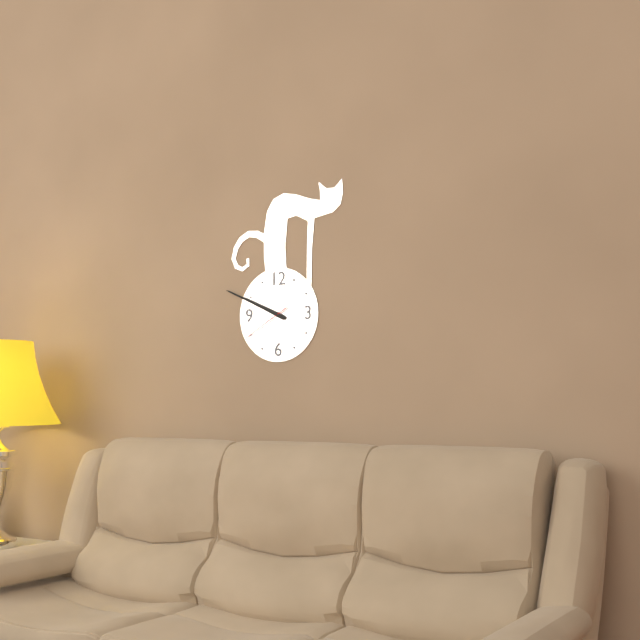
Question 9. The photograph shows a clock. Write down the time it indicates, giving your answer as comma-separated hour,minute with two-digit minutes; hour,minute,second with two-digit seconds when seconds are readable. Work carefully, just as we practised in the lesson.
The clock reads 9,49,40
